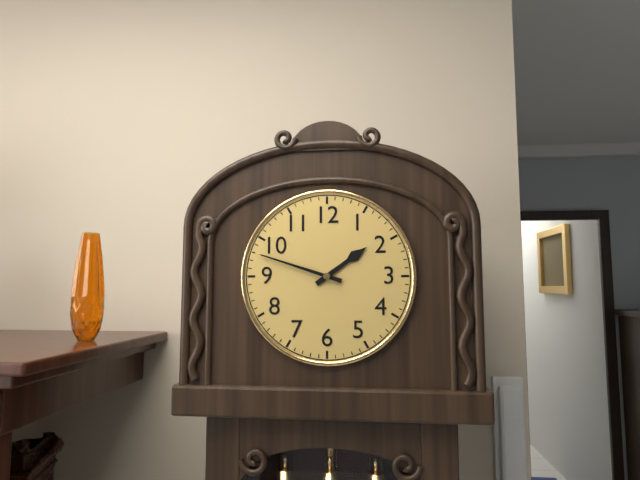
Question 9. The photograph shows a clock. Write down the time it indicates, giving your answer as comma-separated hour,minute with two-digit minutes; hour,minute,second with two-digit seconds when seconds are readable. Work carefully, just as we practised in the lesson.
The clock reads 1,48
